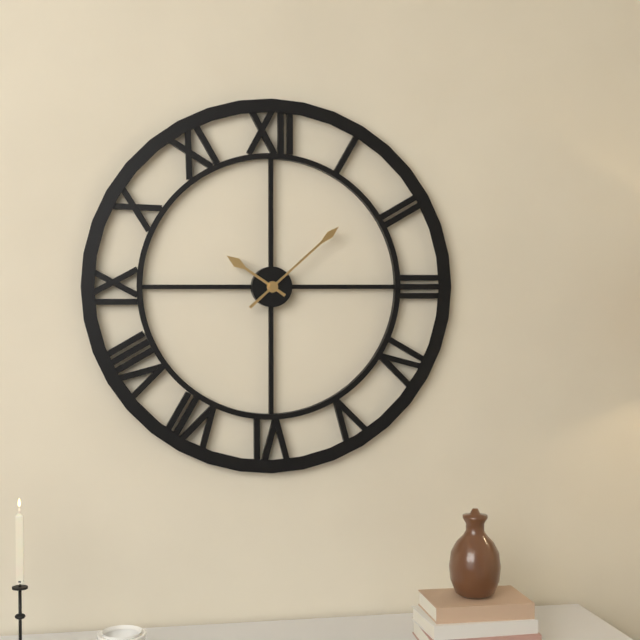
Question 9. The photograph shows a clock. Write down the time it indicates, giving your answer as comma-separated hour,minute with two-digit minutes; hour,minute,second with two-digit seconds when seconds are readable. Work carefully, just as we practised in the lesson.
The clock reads 10,08
